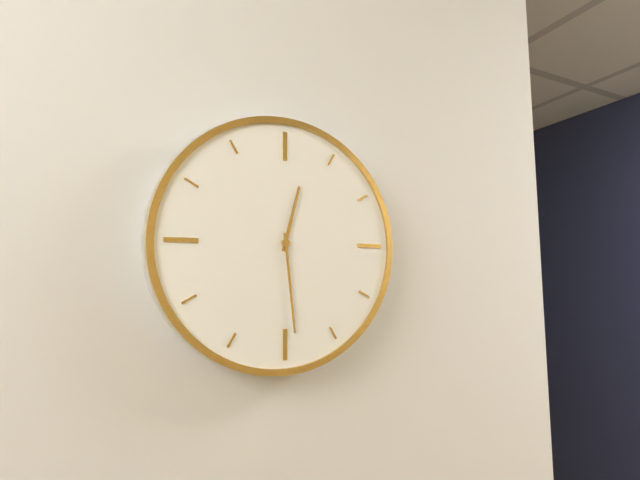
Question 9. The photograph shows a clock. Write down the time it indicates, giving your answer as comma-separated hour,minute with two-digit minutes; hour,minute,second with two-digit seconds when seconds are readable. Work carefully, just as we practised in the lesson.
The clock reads 12,29
